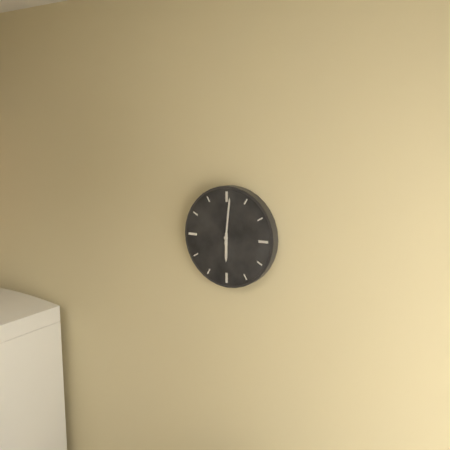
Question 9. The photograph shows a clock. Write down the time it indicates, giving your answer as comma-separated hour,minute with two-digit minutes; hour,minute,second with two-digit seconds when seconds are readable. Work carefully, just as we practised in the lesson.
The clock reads 6,01
